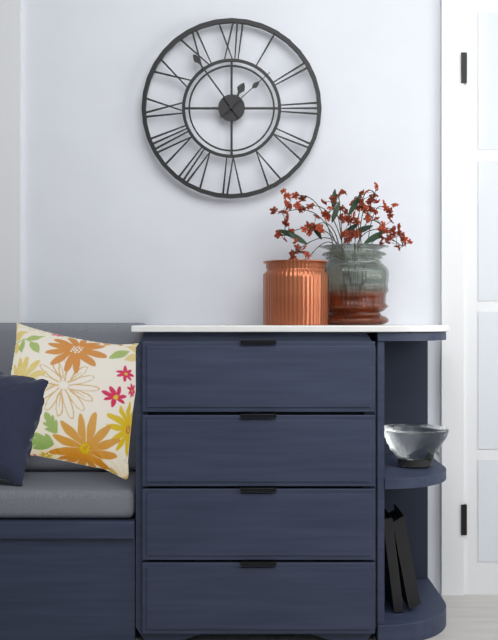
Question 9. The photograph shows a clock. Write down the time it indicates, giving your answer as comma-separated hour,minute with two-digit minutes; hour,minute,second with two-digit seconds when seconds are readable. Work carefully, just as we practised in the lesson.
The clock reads 12,54,08
